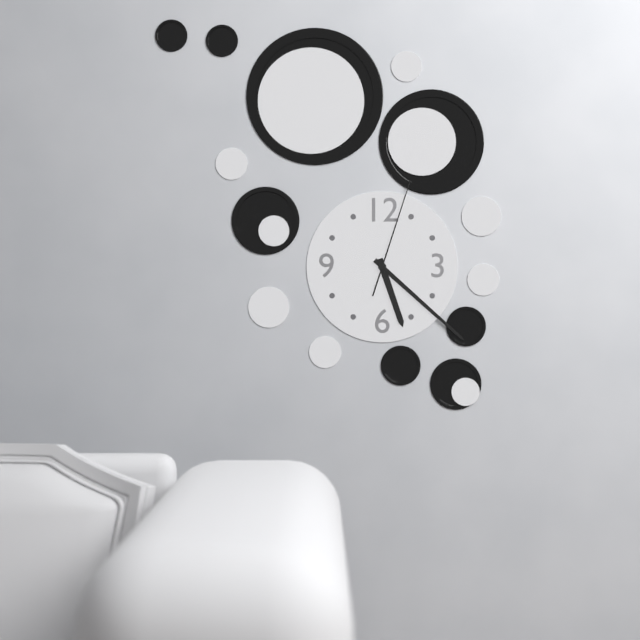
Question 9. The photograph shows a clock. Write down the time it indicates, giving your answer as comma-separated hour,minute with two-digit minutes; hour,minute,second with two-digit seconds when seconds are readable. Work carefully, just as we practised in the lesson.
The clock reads 5,22,03
